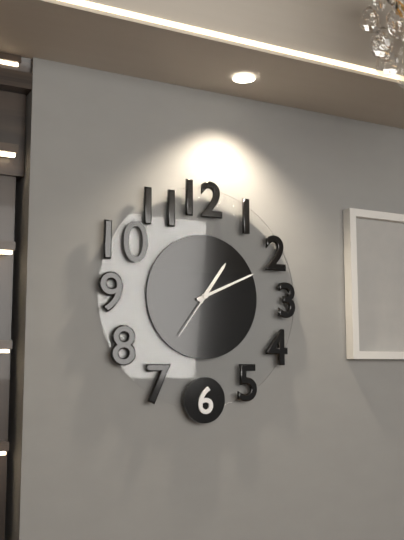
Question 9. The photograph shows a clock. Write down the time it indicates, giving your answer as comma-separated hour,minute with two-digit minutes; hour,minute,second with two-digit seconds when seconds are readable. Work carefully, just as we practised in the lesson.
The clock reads 1,11,36
